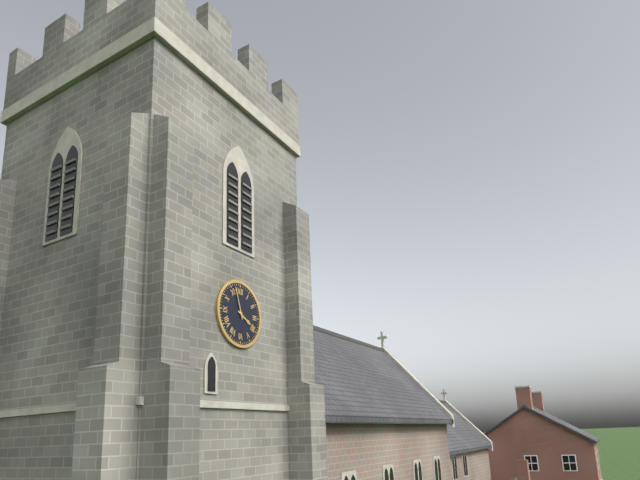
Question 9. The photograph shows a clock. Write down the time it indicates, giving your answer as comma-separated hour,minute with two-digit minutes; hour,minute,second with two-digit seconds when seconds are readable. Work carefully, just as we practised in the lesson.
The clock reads 3,57
